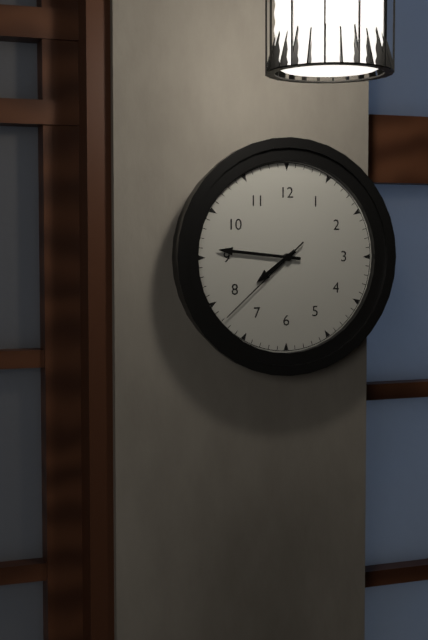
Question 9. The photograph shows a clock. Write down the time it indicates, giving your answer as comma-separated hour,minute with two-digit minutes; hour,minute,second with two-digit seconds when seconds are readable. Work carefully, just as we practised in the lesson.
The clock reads 7,46,38
